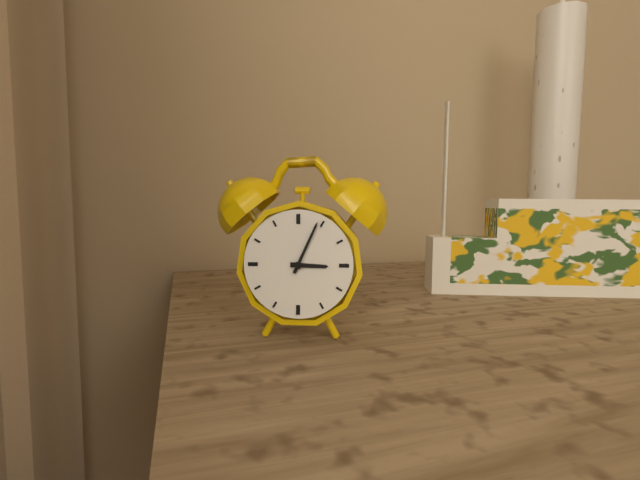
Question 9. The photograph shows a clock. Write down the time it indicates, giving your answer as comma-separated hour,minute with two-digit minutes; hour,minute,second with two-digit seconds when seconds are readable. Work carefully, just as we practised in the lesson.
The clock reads 3,04
